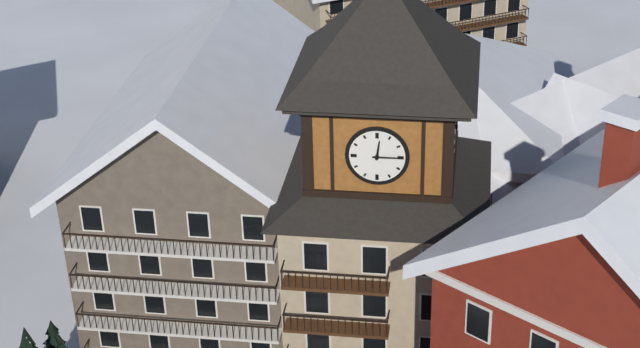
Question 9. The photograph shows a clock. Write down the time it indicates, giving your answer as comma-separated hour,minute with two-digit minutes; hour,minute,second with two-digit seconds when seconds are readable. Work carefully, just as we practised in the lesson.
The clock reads 12,15
